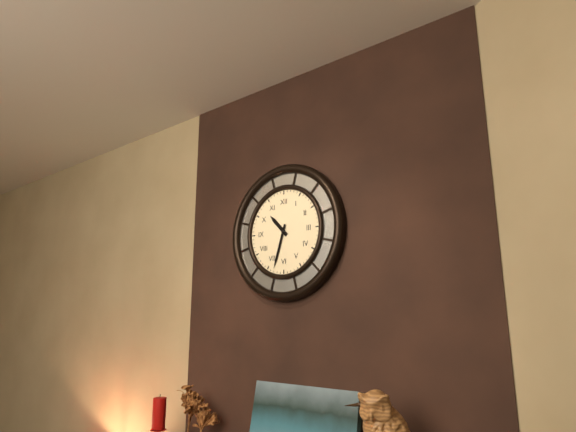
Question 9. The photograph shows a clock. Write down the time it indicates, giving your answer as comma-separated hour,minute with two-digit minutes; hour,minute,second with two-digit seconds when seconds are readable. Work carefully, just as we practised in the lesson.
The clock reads 10,33
